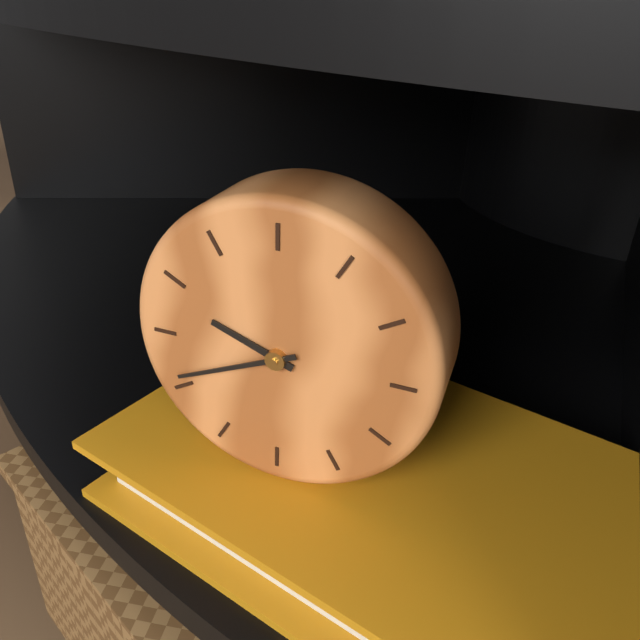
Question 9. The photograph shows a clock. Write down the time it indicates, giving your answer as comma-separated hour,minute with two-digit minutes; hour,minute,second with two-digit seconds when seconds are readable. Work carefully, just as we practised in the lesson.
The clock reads 9,41
